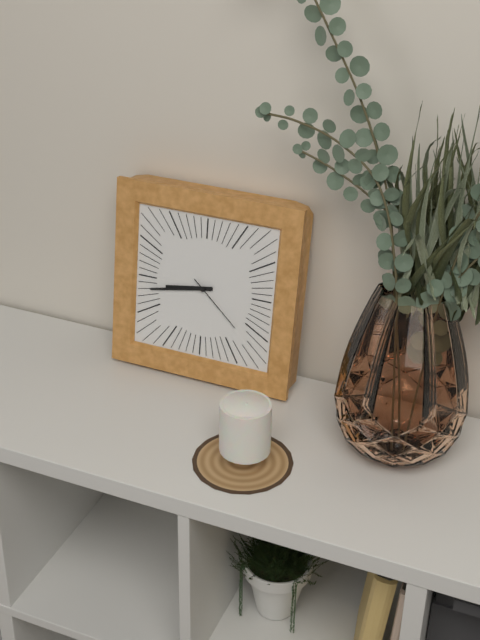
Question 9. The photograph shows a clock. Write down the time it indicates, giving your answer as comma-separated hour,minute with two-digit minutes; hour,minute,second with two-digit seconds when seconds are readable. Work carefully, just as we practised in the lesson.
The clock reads 8,43,22
